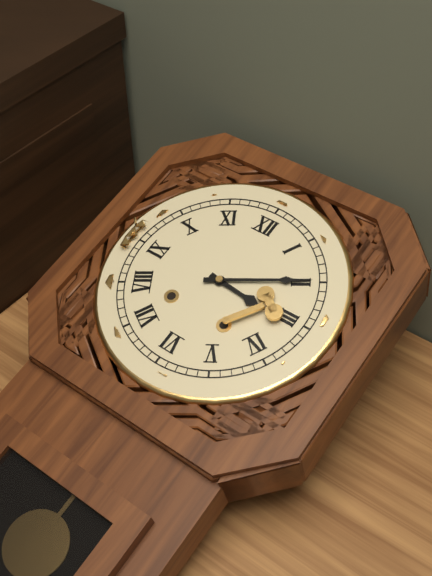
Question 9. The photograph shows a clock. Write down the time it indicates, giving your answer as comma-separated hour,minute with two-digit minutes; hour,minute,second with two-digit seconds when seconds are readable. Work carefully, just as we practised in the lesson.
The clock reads 3,10
